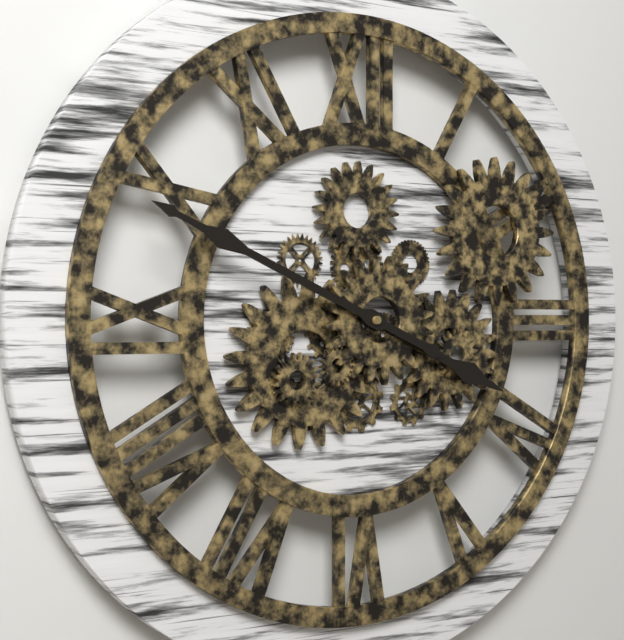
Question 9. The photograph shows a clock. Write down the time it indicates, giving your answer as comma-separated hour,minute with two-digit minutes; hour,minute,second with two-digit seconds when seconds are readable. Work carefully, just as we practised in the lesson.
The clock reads 3,49
